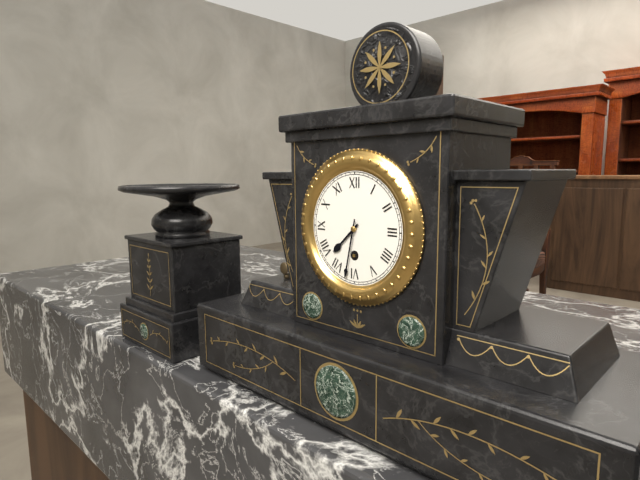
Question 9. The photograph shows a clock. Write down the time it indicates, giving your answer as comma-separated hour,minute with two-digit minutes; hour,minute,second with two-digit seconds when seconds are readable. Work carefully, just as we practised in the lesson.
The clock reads 7,32
